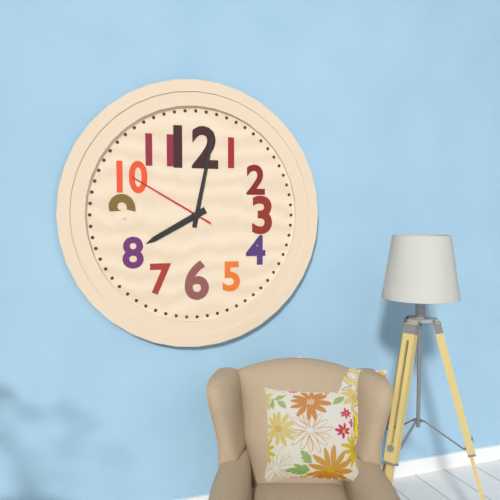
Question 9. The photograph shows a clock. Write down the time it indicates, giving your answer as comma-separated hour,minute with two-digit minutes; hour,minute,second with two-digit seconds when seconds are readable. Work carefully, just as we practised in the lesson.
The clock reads 8,02,50
